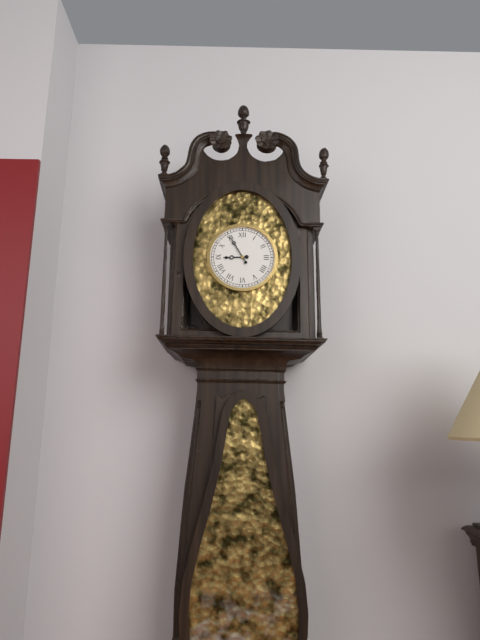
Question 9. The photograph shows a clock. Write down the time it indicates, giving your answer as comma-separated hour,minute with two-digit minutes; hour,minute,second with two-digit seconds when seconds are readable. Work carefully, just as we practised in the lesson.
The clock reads 8,55
